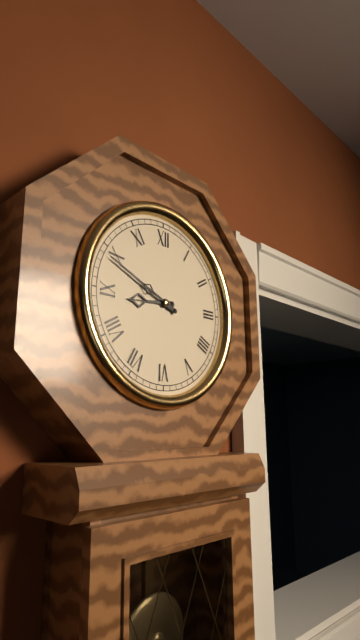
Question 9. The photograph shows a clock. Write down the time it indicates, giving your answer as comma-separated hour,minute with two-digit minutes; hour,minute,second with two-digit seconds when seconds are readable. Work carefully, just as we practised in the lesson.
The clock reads 8,49
